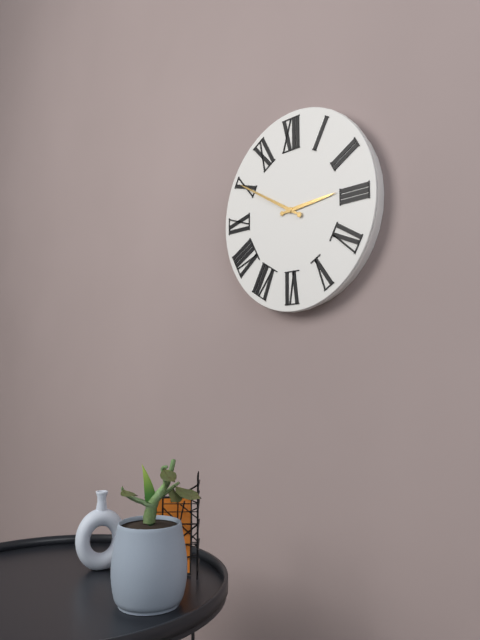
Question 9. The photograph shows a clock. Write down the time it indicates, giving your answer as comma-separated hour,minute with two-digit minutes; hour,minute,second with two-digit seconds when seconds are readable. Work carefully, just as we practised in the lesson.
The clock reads 2,50
